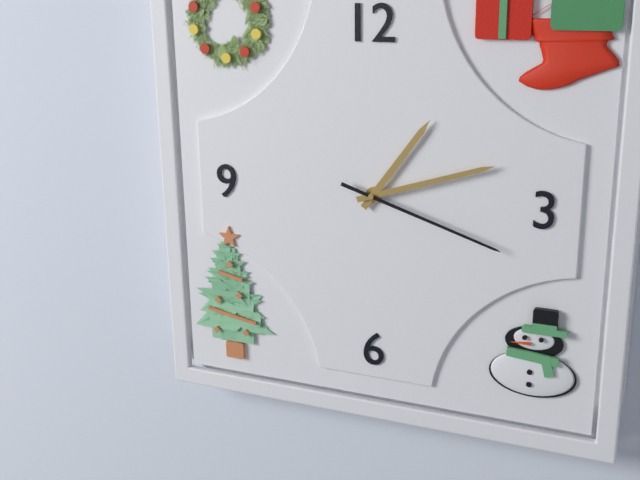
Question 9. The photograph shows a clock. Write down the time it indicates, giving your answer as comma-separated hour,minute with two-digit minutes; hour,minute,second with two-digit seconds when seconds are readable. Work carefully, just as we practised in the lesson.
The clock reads 1,12,18
